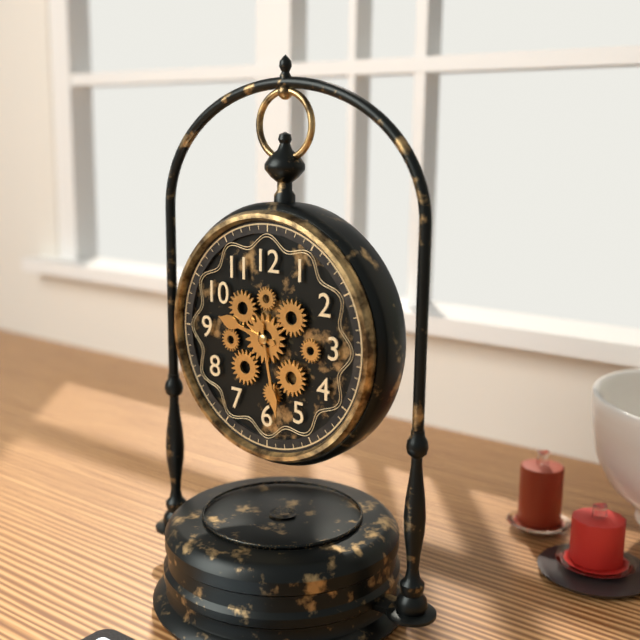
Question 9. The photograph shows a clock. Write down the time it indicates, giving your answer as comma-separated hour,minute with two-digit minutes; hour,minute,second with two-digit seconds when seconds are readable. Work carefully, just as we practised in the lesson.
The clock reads 9,28
